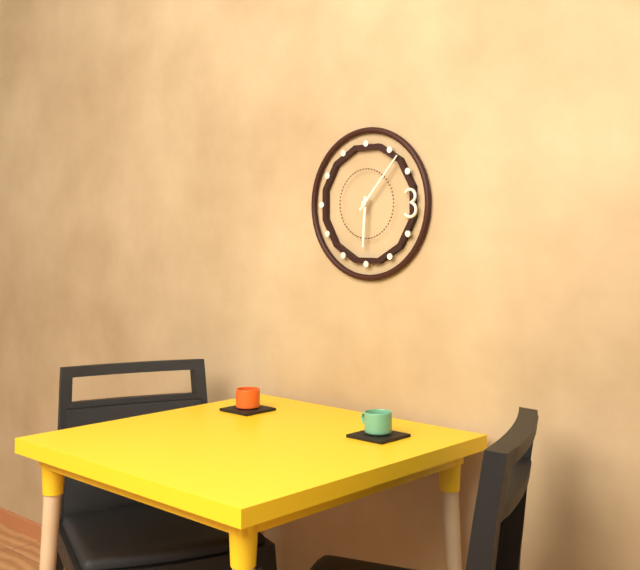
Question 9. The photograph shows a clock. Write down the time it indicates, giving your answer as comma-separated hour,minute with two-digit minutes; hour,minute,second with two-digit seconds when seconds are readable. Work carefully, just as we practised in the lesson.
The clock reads 6,07
